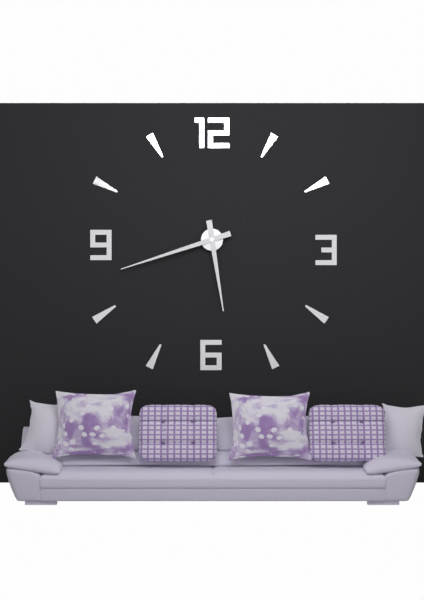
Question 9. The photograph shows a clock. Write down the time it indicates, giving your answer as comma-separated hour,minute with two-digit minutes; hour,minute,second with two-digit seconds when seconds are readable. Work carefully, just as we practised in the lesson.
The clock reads 5,42
